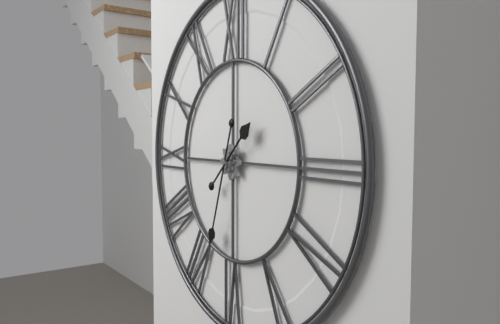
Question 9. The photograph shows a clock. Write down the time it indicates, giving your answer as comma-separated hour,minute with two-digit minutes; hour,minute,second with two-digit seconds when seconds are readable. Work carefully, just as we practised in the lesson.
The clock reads 1,33
